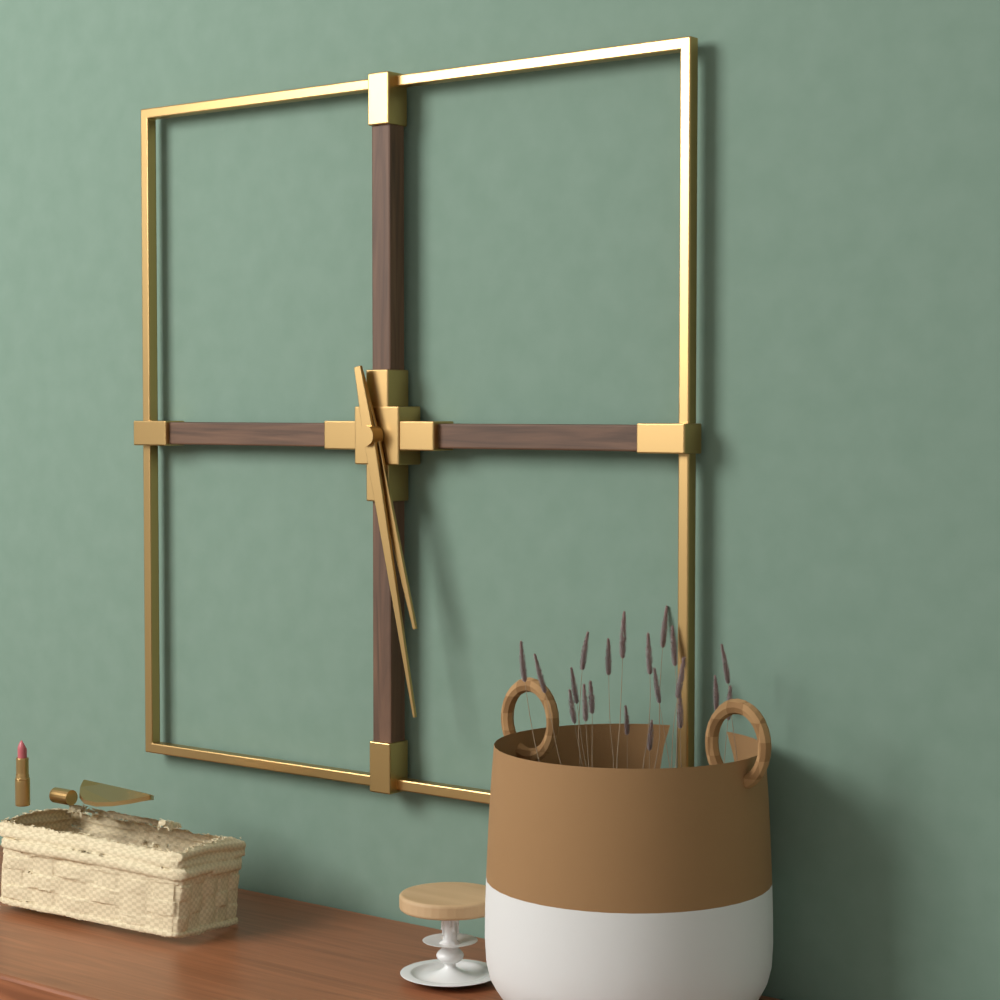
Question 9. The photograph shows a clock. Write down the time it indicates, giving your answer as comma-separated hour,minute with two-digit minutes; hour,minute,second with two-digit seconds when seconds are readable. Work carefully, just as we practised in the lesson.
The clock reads 5,28
